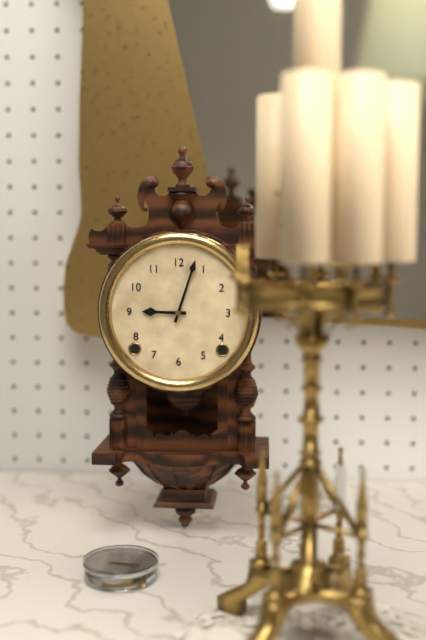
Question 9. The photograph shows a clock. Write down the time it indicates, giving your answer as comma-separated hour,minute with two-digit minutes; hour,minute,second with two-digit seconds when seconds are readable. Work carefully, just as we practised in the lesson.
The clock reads 9,03
